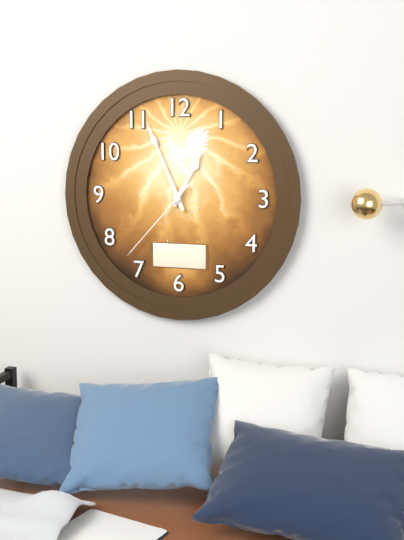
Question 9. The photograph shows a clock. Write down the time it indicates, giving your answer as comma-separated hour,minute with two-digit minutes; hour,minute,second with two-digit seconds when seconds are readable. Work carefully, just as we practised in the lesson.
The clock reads 12,56,37
